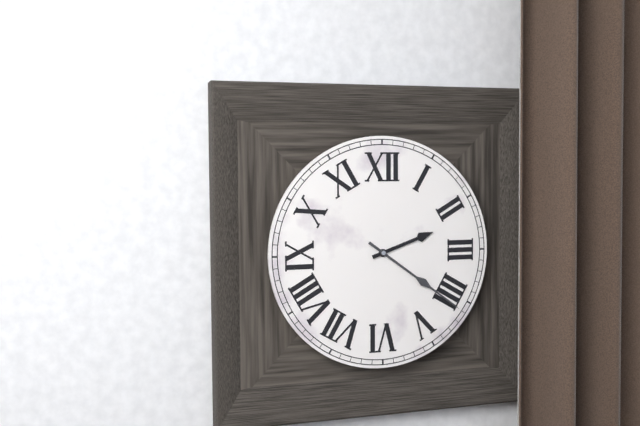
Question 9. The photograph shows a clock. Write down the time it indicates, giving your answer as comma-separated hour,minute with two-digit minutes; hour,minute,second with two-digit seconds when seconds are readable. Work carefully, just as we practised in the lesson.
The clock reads 2,21
